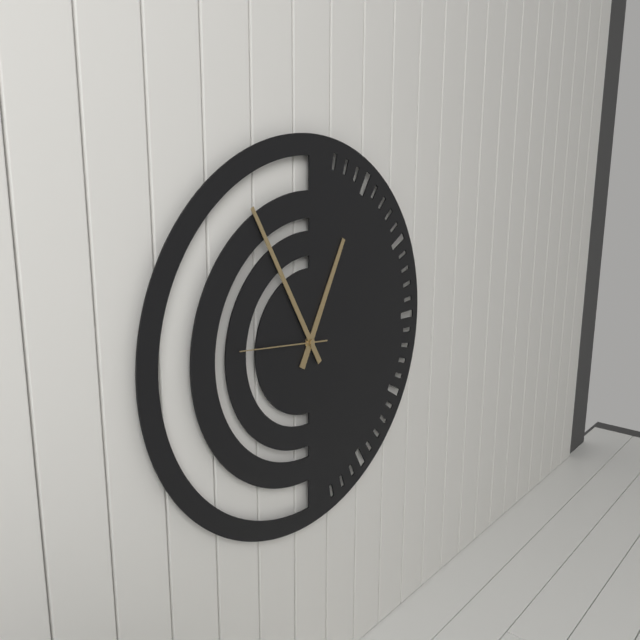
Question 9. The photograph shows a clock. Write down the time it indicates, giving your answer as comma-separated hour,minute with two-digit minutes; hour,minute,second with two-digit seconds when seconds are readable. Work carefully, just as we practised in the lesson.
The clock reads 12,55,46
